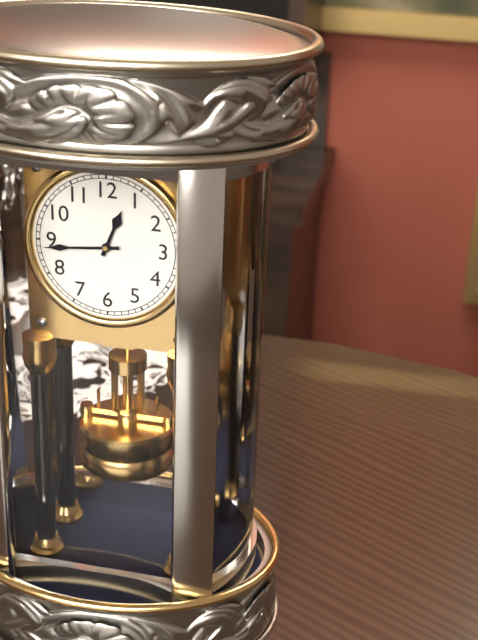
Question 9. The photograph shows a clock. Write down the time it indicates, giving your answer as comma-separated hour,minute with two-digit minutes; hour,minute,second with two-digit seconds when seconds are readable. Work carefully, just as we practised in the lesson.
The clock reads 12,44
